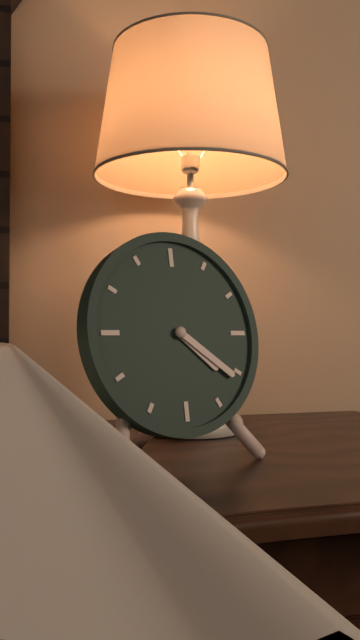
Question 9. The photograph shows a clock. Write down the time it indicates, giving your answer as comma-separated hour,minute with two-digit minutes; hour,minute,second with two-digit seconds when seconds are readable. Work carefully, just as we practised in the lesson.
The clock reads 4,21
